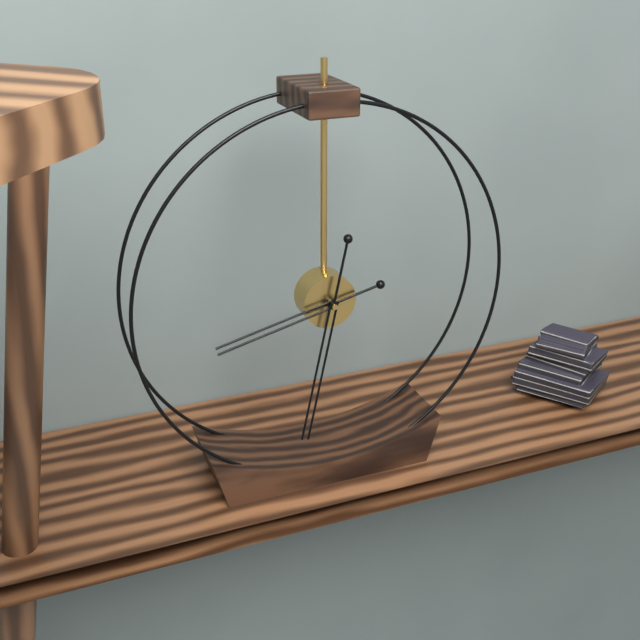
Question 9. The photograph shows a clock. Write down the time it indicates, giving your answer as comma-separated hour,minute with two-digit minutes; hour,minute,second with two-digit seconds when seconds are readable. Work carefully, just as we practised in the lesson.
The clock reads 8,32
